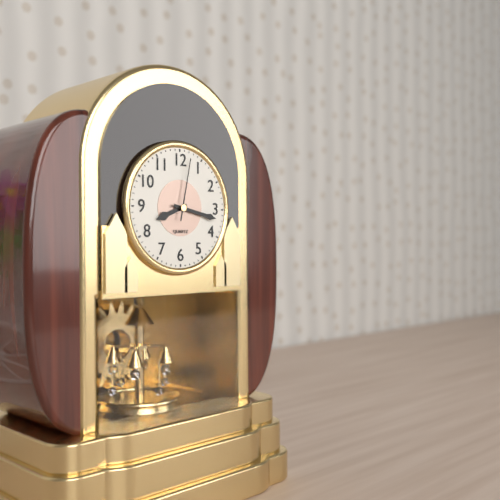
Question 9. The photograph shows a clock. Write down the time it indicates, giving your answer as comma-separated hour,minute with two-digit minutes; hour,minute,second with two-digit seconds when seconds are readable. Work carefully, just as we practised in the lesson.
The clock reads 8,17,02
